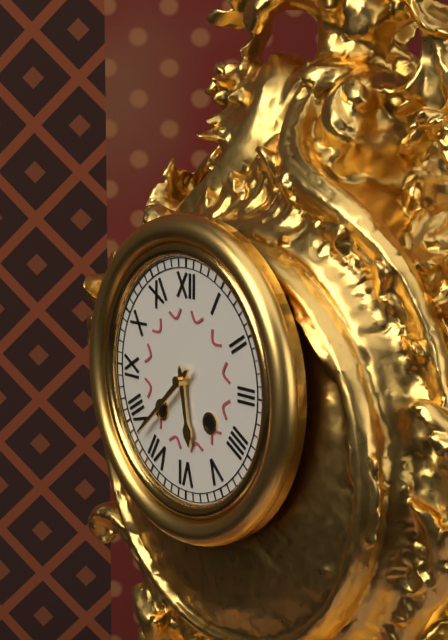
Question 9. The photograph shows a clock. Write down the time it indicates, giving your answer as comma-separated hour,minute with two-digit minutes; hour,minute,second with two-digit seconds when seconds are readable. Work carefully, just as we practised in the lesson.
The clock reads 5,38
